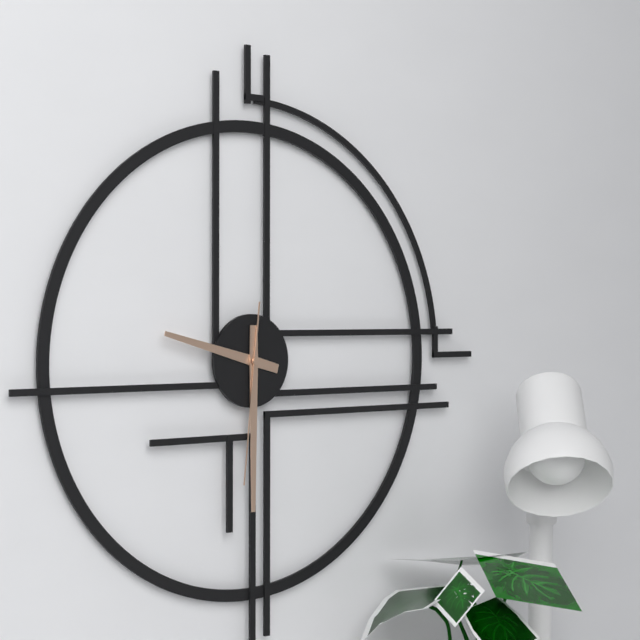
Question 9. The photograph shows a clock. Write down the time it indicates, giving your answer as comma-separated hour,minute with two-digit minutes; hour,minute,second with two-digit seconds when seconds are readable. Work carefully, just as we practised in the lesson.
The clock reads 9,30,31
